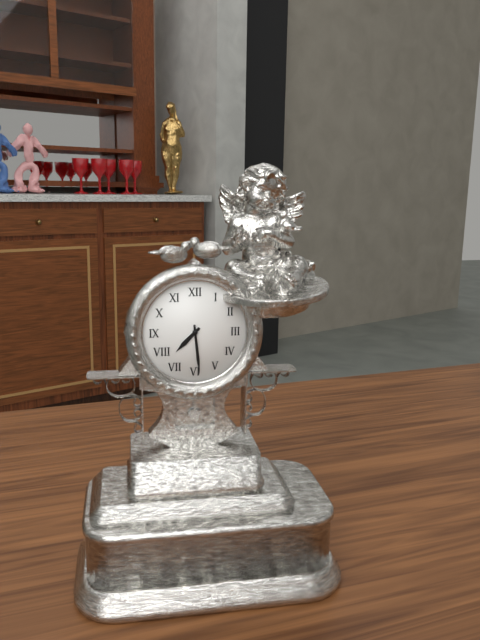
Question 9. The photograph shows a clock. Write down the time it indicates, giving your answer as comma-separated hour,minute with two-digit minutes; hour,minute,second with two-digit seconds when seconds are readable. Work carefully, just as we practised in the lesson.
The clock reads 7,29
